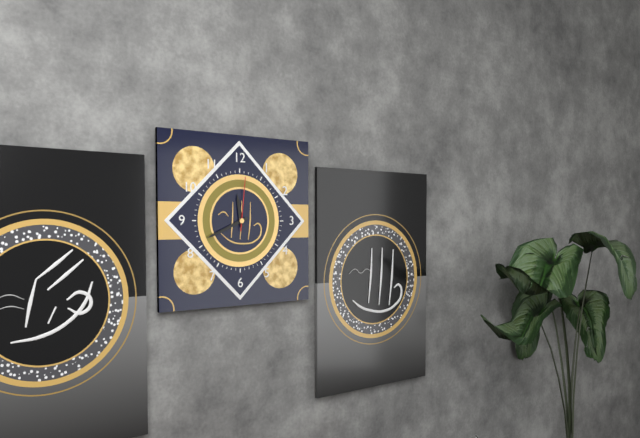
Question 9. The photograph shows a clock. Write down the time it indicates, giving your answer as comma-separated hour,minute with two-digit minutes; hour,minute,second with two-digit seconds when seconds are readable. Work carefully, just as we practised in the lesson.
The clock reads 11,41,01
